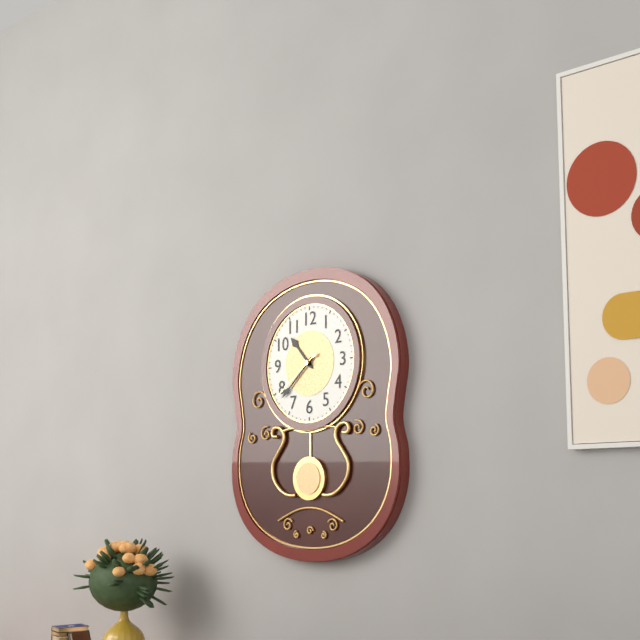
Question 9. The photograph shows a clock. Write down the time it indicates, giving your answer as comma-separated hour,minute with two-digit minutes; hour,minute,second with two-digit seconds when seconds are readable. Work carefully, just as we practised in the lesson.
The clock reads 10,38,39
